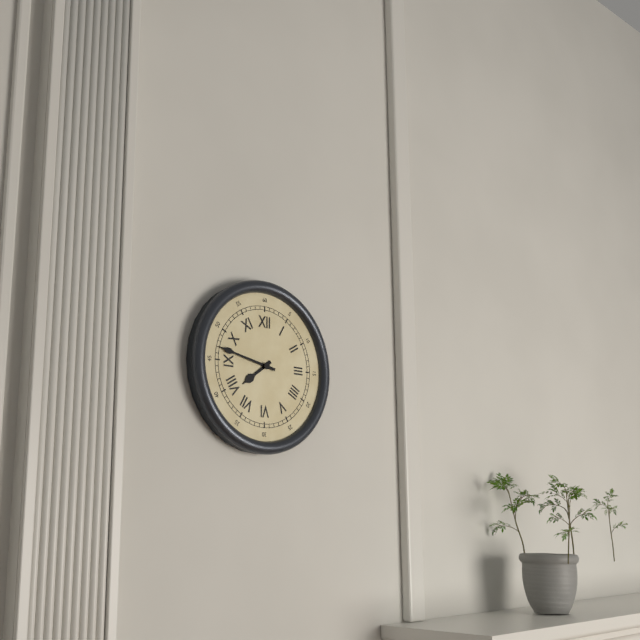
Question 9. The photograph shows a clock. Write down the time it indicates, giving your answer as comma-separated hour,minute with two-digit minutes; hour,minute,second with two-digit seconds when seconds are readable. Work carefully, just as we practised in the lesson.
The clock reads 7,47
